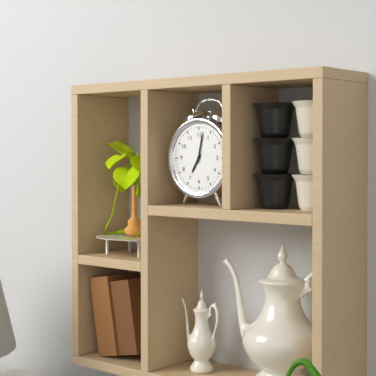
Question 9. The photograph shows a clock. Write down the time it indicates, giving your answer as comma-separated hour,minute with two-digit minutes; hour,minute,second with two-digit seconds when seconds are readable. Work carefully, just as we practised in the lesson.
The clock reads 7,02
